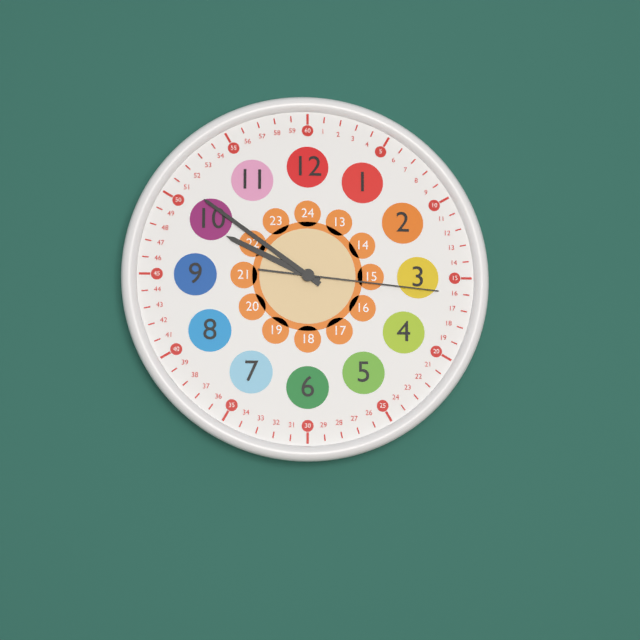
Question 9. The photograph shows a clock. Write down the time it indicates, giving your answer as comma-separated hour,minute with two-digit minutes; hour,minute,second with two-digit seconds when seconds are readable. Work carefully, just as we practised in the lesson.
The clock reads 9,51,16
